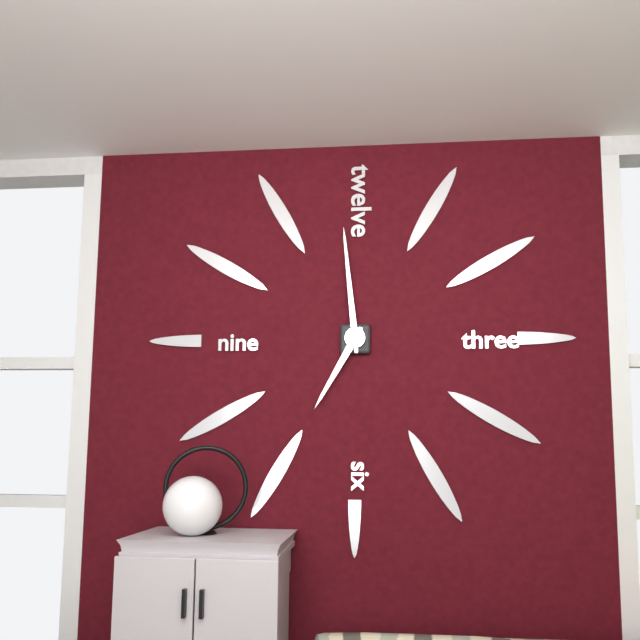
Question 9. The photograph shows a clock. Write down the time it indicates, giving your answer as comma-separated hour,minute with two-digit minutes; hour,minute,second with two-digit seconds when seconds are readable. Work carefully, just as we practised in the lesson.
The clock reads 6,59
